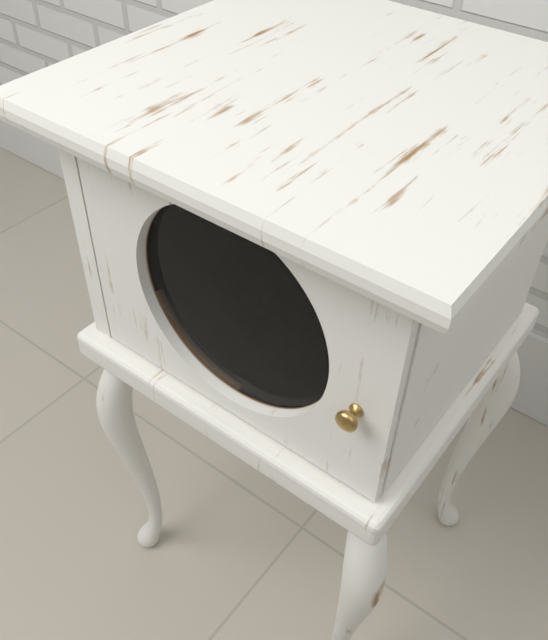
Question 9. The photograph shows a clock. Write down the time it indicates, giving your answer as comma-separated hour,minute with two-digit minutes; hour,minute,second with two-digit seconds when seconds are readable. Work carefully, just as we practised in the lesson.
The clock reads 8,11,29
